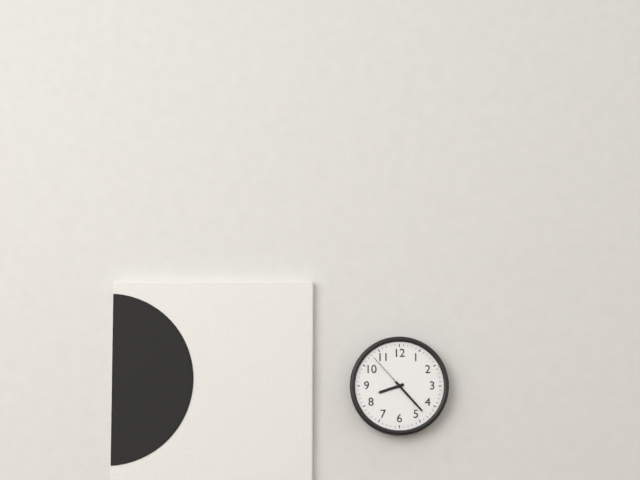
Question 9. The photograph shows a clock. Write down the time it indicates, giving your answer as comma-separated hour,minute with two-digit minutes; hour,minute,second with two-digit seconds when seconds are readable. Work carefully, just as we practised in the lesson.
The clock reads 8,23
